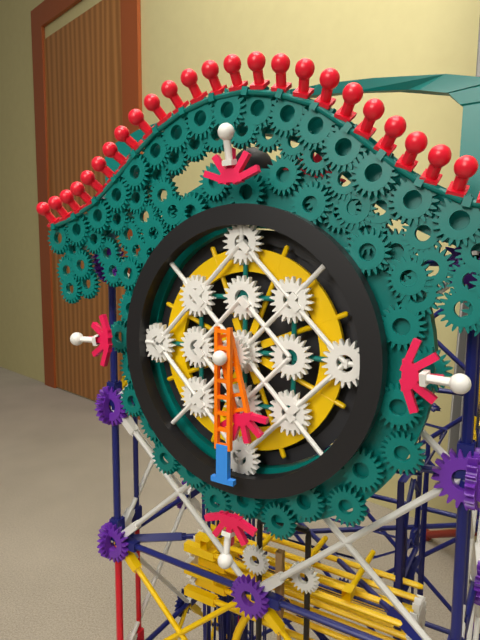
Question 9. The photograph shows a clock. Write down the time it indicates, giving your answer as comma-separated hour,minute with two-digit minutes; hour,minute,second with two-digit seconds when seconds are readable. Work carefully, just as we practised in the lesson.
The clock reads 5,30
